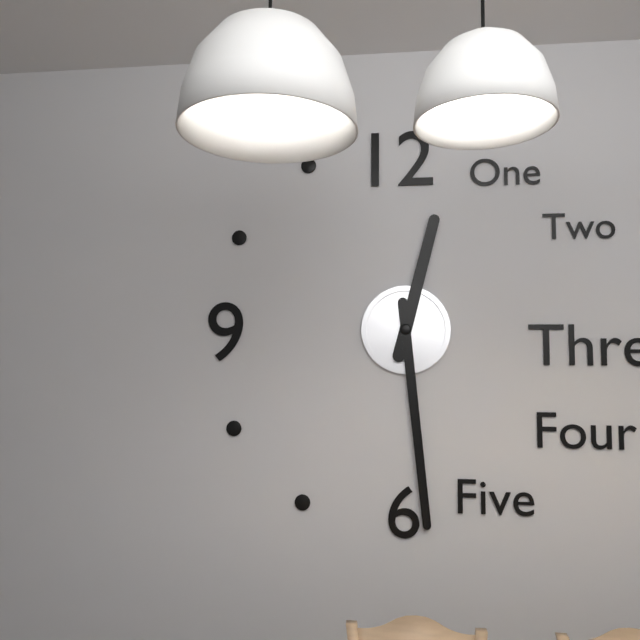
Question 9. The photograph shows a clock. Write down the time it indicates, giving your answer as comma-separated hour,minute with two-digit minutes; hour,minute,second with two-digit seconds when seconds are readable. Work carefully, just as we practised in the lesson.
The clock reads 12,29
